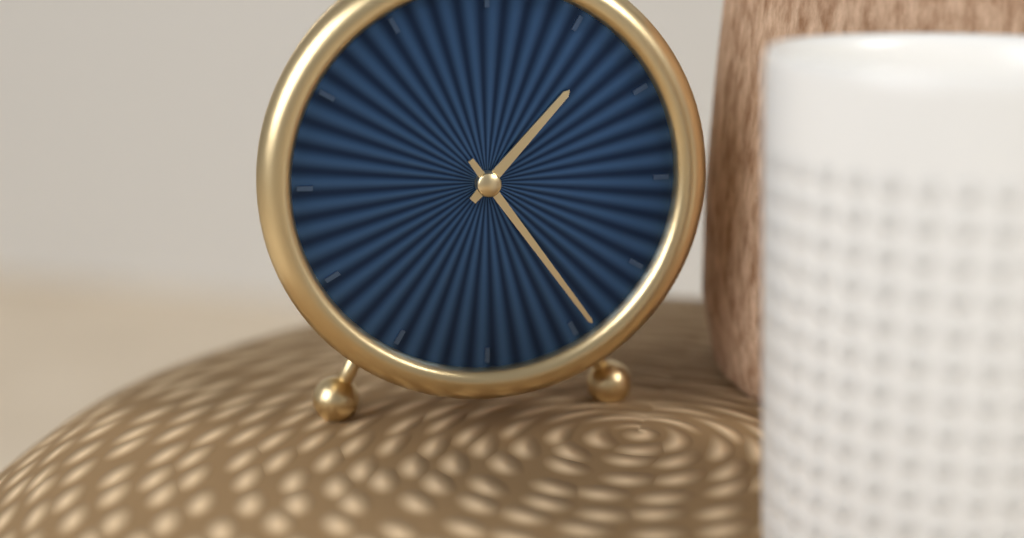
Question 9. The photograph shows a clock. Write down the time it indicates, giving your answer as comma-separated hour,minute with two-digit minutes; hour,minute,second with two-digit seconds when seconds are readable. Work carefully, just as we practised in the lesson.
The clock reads 1,24
